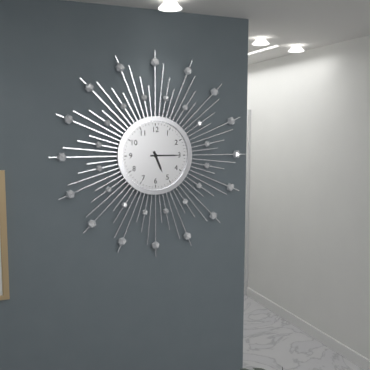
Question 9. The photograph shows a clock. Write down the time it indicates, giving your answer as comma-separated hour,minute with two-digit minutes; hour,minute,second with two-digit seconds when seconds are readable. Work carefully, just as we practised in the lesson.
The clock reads 5,15
